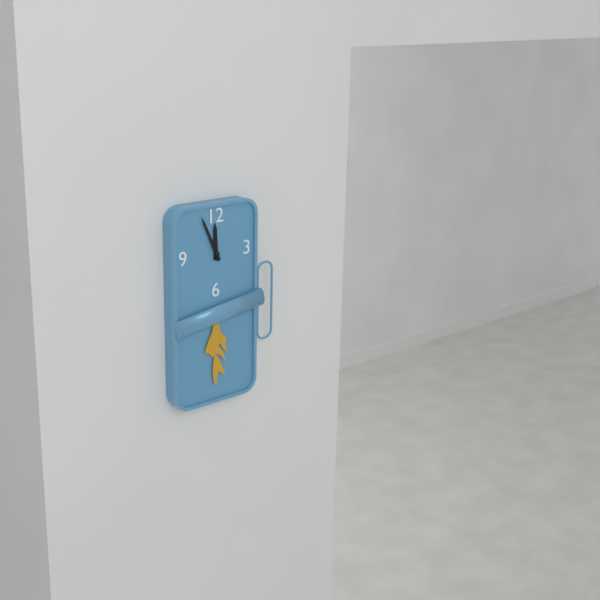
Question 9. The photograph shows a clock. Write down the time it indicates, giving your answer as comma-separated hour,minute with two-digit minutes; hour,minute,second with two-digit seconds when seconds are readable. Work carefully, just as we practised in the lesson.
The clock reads 11,56
